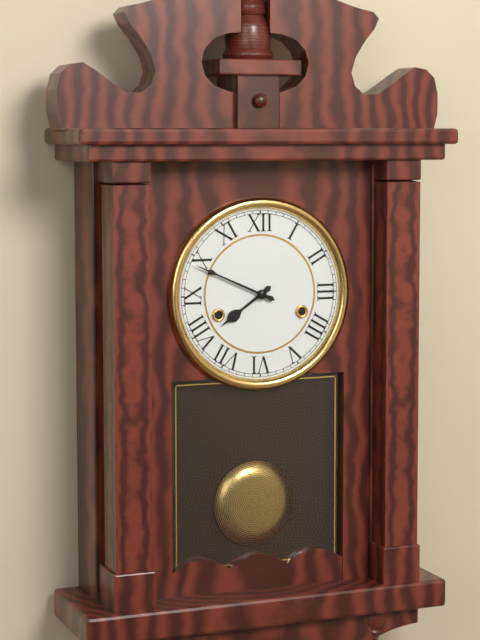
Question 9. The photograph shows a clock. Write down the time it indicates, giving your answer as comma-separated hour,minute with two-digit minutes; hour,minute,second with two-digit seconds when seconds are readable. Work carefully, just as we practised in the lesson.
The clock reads 7,49
